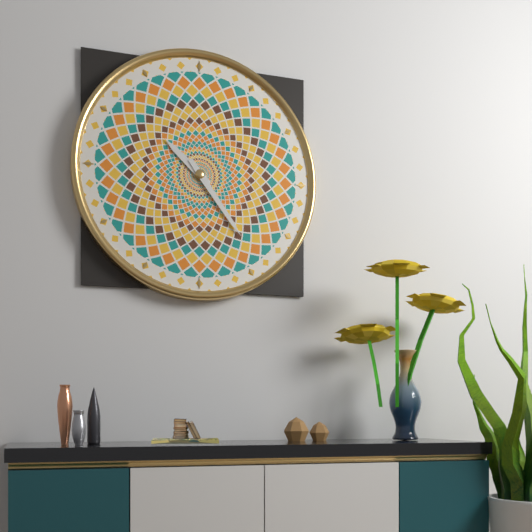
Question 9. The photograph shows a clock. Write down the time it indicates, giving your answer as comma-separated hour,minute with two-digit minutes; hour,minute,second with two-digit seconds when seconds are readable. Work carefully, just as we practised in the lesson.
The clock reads 10,24
